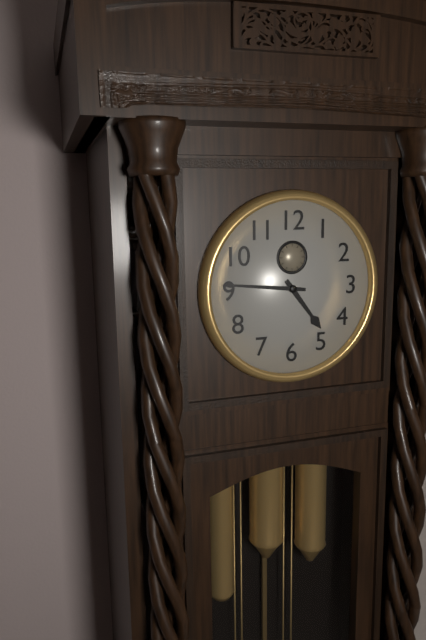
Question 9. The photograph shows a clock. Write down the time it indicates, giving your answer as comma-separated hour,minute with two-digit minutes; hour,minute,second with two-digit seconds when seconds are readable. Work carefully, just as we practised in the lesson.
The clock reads 4,46
